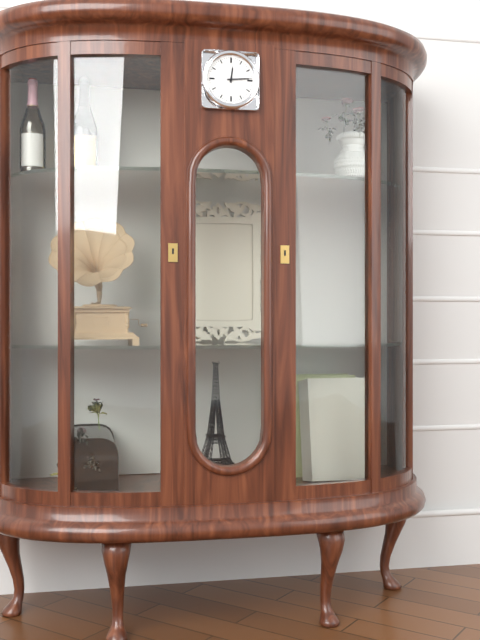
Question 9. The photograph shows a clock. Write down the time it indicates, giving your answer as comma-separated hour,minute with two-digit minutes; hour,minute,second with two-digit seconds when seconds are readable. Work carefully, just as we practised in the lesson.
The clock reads 12,14
